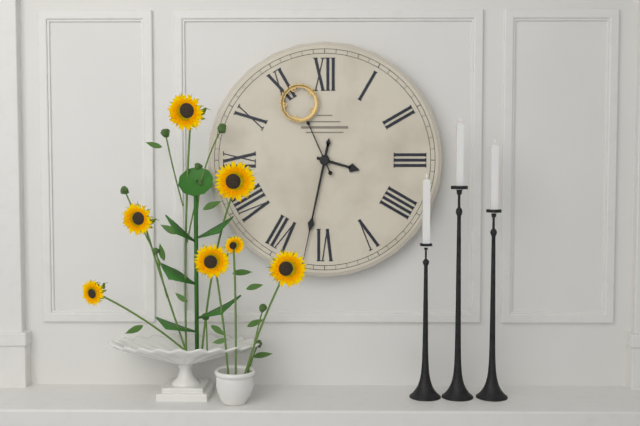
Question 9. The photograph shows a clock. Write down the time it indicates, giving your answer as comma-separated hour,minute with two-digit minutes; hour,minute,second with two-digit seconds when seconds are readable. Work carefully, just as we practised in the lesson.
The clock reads 3,32,56
